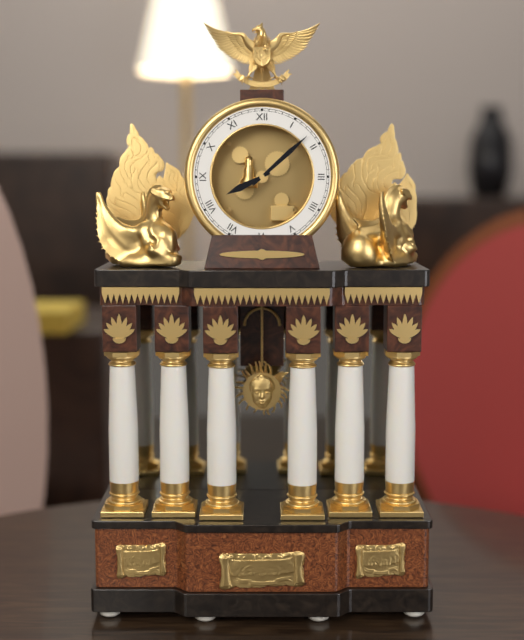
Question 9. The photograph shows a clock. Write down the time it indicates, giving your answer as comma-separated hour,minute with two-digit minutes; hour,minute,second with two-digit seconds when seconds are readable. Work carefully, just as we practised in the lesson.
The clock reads 8,08
